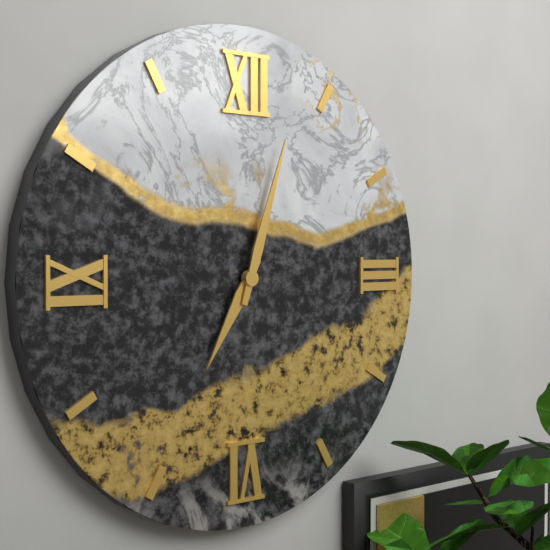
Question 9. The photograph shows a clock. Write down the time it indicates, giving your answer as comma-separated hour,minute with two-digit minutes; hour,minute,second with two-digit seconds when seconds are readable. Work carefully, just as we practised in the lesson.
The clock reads 7,03
